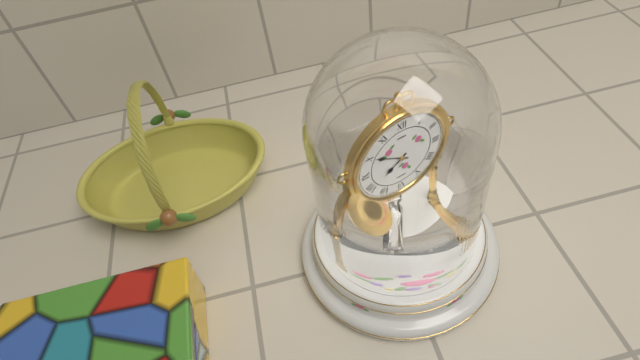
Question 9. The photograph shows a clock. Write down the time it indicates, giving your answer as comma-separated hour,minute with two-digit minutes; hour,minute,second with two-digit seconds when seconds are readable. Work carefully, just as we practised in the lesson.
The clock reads 7,50
